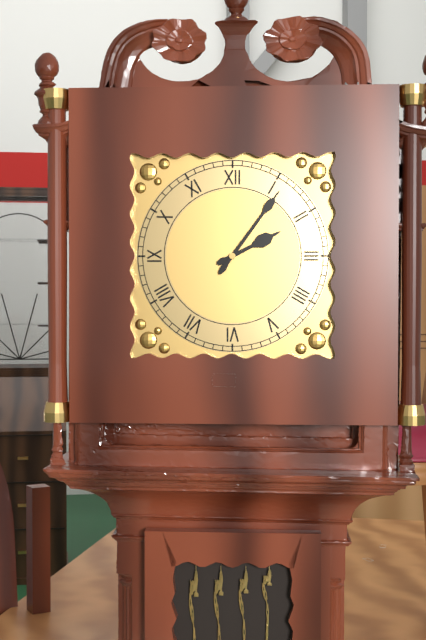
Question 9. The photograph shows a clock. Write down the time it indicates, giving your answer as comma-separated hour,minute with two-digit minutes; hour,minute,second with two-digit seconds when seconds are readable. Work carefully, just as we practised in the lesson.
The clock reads 2,06
